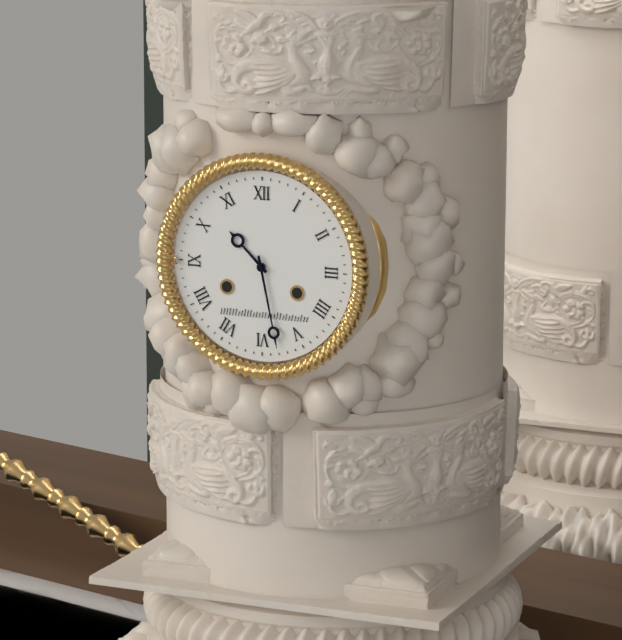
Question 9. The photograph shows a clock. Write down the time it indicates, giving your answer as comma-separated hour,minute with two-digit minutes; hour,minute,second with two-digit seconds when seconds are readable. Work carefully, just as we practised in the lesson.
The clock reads 10,28
